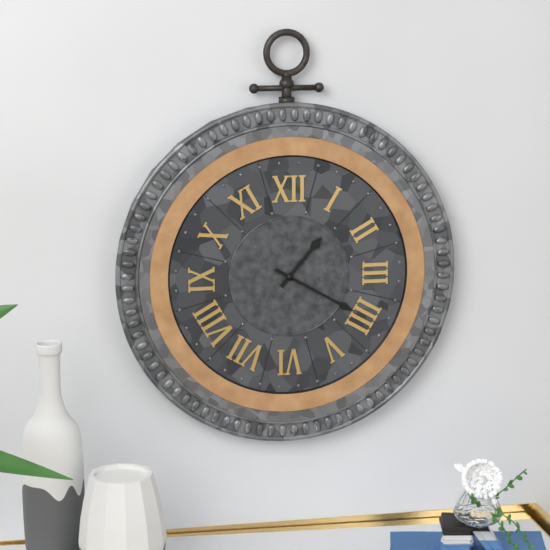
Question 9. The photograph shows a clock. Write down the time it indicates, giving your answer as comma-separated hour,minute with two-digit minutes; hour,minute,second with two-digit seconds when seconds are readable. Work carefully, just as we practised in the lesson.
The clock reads 1,20
